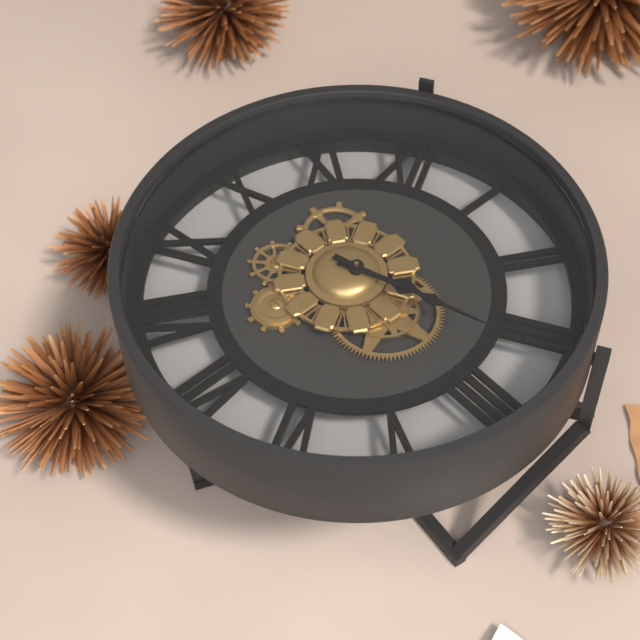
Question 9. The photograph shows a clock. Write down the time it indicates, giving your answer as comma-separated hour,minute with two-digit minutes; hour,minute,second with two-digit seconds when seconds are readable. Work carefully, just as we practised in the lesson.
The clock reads 3,17
